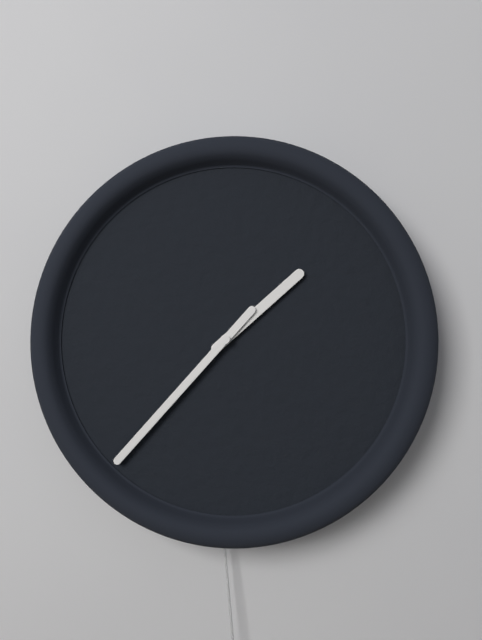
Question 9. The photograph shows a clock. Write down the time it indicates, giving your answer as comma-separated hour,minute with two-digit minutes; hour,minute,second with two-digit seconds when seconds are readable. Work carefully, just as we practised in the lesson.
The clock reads 1,37
